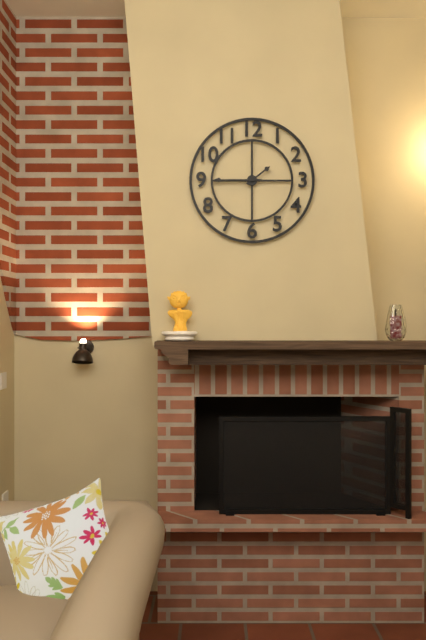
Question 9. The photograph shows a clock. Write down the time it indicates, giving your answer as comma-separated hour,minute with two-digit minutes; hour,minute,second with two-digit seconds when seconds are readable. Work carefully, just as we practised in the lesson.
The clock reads 1,45
